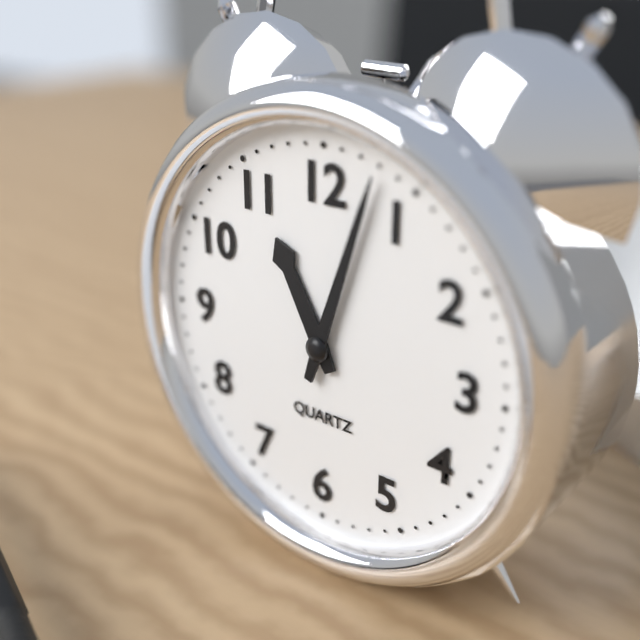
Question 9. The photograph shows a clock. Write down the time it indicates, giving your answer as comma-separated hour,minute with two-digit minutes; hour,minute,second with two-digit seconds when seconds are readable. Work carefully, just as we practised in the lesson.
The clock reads 11,03
